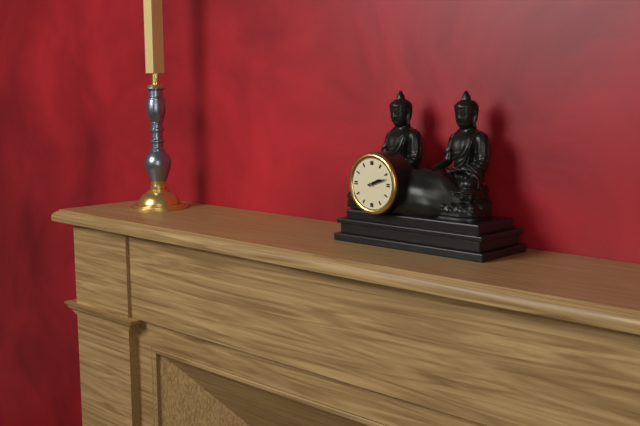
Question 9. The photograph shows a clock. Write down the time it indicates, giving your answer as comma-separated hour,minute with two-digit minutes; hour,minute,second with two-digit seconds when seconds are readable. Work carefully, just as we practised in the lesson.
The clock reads 2,12
